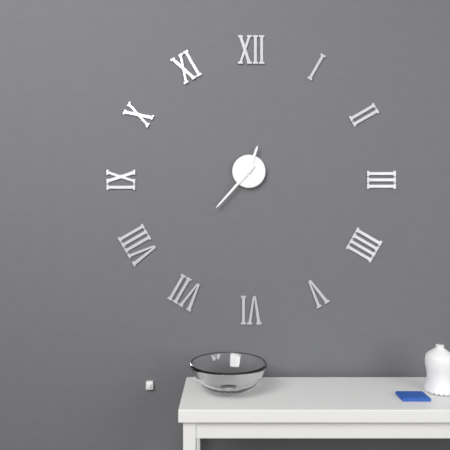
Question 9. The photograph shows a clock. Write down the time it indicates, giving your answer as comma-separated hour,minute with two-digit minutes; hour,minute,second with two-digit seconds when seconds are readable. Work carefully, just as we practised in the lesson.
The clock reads 12,37
